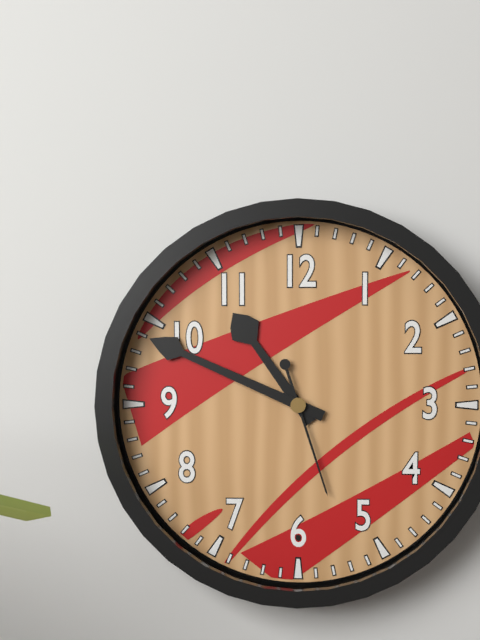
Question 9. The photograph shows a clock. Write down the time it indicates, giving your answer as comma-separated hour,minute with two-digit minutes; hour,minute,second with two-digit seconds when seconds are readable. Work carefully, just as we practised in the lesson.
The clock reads 10,49,27
